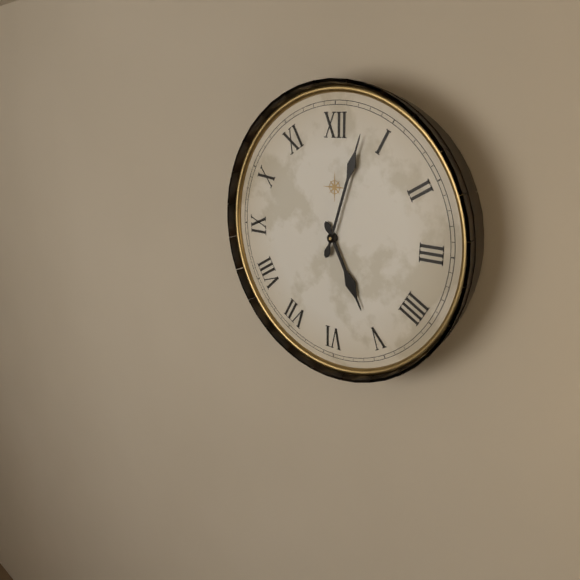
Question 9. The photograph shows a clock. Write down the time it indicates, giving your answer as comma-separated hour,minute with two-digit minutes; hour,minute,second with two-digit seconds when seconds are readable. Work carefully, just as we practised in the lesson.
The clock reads 5,03
